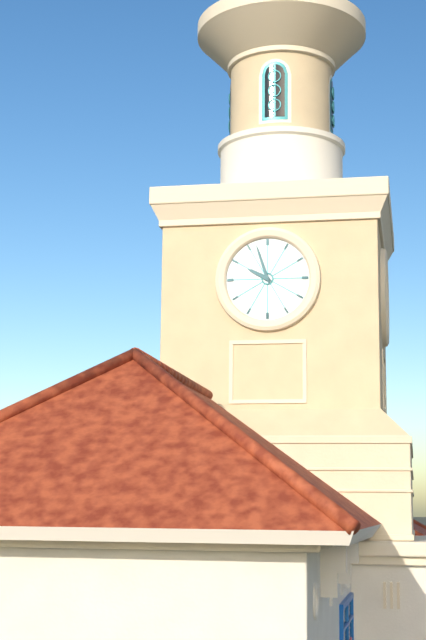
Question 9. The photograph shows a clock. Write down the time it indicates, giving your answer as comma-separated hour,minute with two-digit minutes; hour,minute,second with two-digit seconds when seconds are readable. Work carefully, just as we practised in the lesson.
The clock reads 9,57
